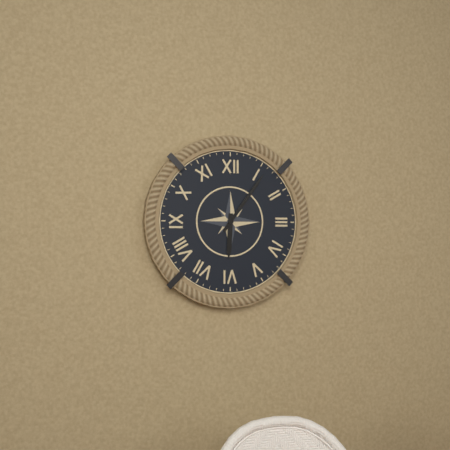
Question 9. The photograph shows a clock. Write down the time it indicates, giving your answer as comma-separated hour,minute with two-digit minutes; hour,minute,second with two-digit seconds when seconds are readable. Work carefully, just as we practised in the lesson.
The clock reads 6,06
